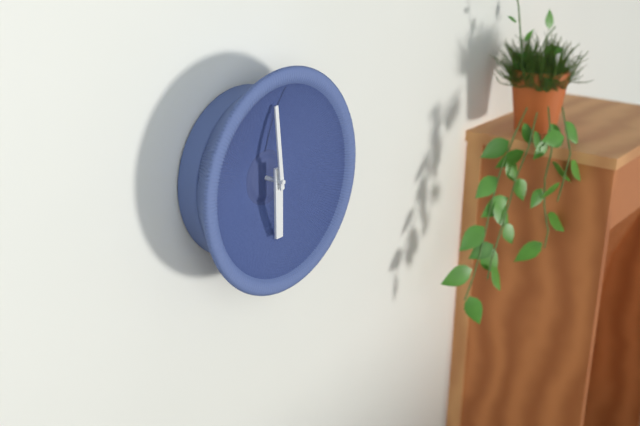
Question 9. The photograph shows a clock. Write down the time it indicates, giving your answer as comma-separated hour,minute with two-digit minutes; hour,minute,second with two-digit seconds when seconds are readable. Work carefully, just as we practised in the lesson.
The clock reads 5,59
